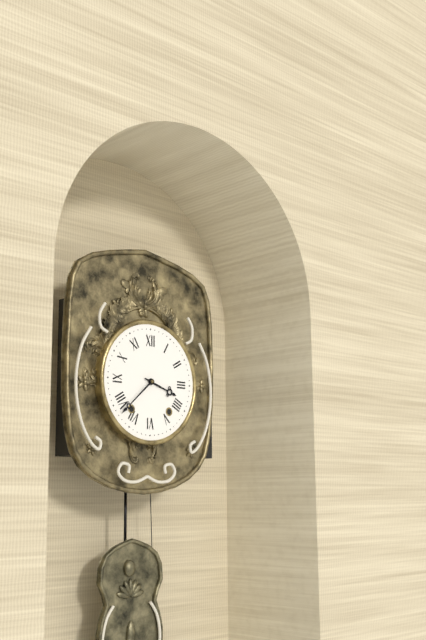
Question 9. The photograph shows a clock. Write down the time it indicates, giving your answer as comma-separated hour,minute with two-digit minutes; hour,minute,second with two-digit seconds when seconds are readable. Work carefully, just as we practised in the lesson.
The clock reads 3,38
